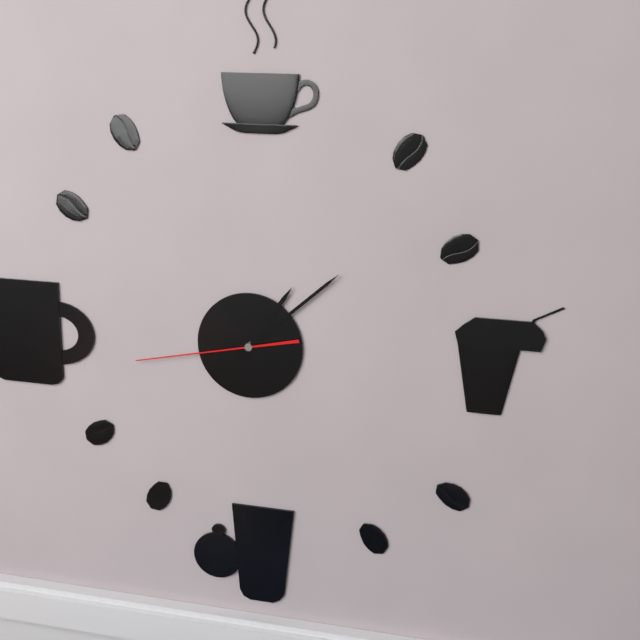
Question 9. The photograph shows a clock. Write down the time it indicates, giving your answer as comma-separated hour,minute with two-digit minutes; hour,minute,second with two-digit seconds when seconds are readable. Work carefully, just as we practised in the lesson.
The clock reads 1,08,43
